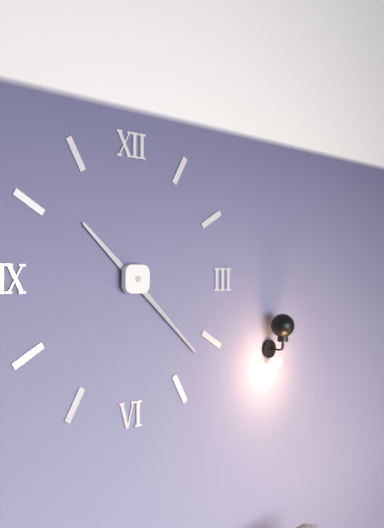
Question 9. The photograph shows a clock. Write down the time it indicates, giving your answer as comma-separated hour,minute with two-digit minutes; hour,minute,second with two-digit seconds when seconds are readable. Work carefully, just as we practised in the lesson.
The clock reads 10,22
